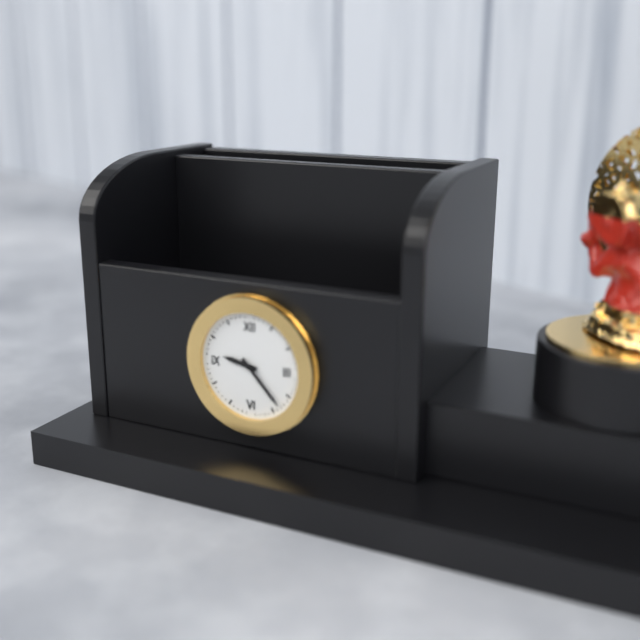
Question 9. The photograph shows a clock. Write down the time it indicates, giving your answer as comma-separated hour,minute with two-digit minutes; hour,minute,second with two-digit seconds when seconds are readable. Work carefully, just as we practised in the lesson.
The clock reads 9,23
